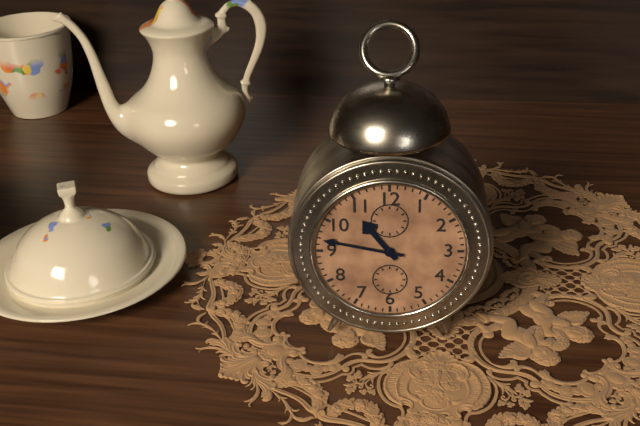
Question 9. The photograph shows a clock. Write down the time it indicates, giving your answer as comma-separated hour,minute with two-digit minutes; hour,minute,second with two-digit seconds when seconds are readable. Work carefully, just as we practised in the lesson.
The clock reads 10,47
